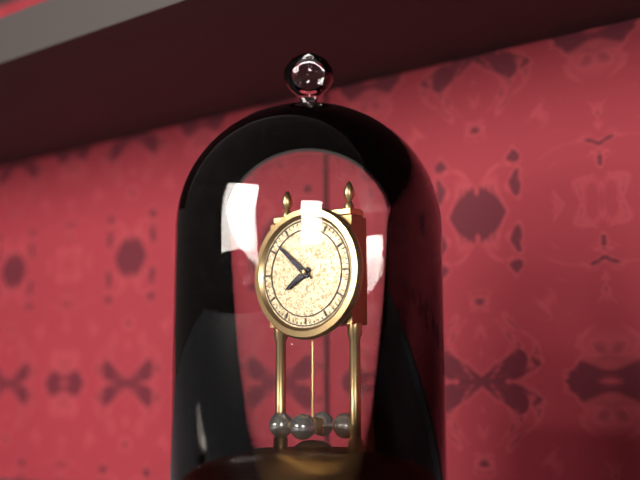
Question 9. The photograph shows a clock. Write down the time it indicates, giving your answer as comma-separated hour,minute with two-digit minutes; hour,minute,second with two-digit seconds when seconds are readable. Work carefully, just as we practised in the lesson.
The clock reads 7,52
